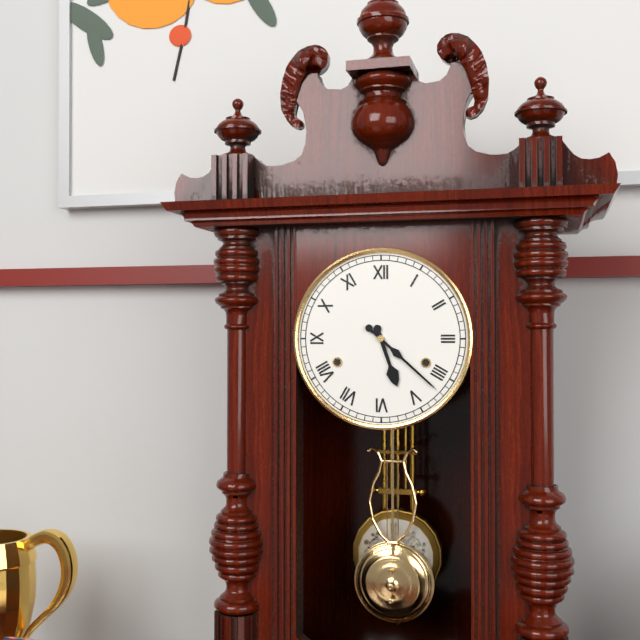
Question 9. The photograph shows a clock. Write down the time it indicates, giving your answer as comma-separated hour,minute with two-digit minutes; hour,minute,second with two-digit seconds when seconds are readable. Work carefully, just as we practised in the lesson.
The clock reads 5,22
